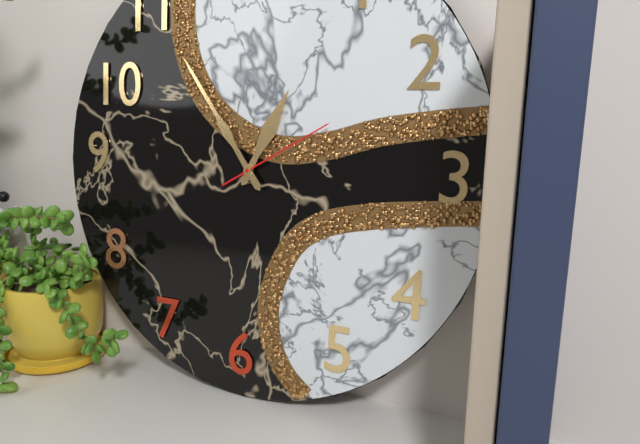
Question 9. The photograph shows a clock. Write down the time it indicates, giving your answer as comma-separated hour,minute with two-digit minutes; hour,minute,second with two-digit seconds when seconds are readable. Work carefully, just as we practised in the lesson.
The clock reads 12,54,10
